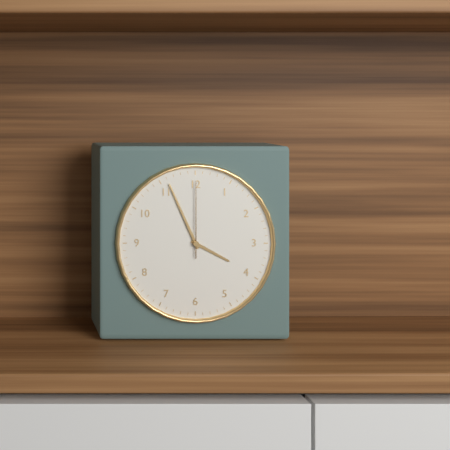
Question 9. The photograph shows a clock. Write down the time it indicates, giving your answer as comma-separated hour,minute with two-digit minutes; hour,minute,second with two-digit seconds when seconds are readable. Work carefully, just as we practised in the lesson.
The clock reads 3,56,00
